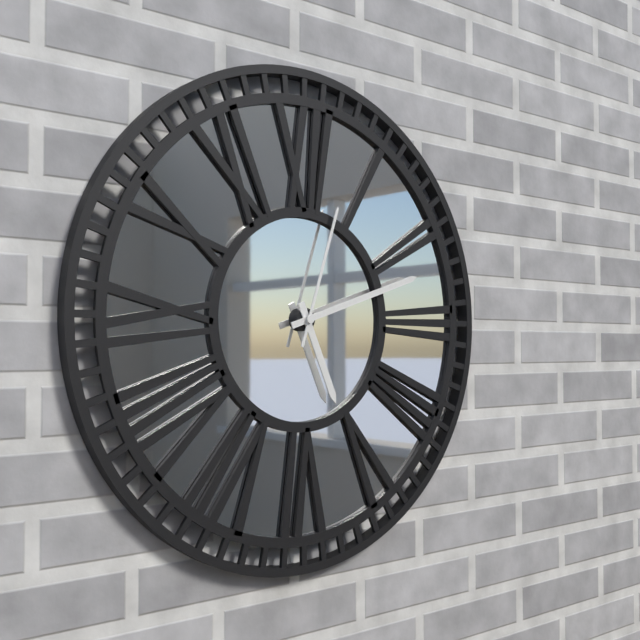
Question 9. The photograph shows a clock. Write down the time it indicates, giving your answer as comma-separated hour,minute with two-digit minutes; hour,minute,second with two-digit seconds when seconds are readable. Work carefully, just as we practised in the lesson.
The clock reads 5,12,03
